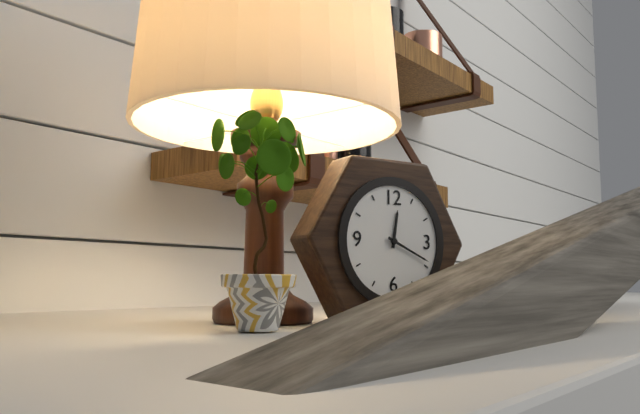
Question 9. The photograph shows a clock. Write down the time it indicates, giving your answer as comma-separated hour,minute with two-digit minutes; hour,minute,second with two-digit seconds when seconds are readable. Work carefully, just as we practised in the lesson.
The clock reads 12,19
